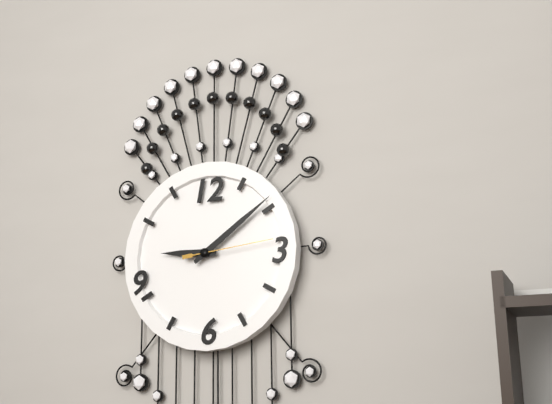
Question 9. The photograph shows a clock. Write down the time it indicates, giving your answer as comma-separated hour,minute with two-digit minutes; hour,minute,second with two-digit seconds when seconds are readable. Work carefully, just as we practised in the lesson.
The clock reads 9,09,14
